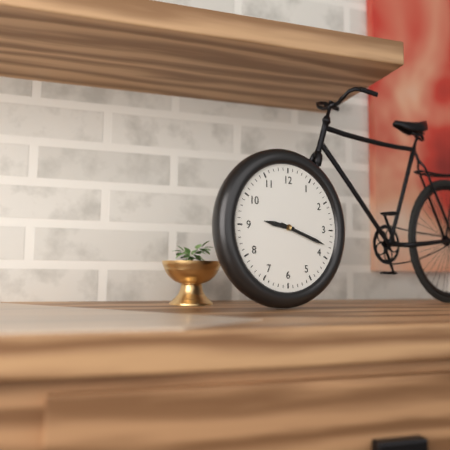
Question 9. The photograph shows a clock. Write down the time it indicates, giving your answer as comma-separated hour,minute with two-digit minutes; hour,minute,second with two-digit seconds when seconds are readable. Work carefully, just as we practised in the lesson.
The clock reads 9,18
